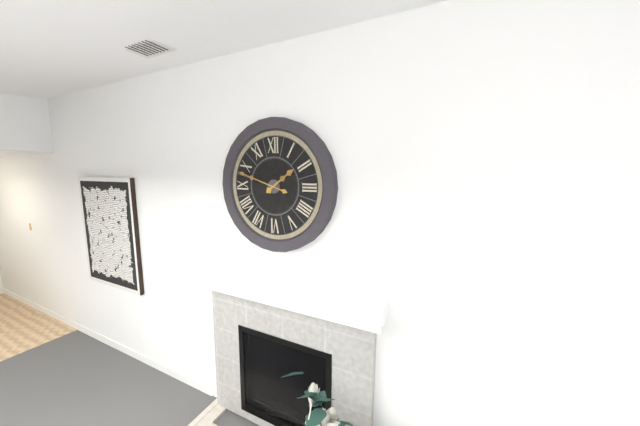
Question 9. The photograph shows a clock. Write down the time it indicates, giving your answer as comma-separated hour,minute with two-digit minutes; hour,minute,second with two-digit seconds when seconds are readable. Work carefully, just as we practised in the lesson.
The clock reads 1,48
